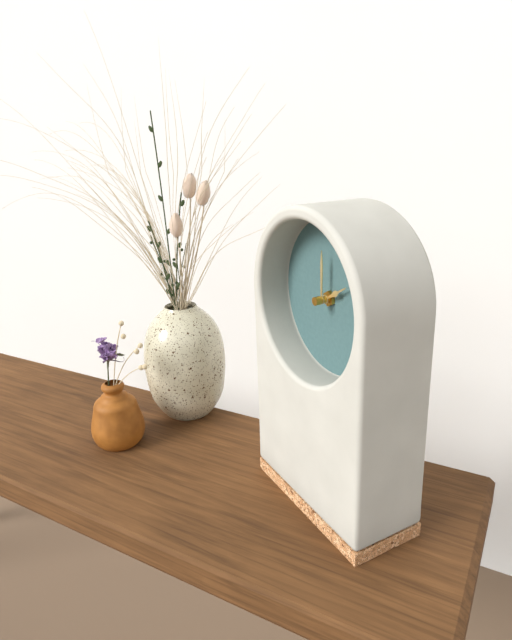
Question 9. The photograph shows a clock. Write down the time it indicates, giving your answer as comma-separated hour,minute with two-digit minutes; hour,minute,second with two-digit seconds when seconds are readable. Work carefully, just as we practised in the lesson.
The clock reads 2,00
